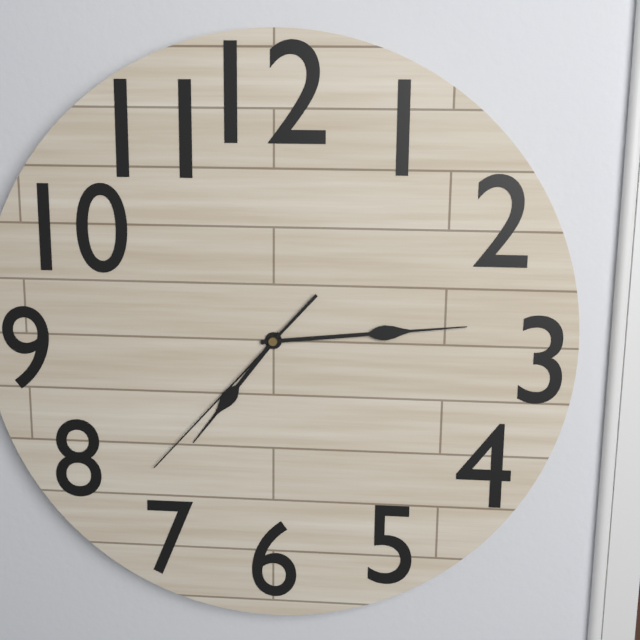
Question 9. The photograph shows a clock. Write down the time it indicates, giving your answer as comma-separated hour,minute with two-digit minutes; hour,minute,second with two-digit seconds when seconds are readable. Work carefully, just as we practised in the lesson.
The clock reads 7,14,37
